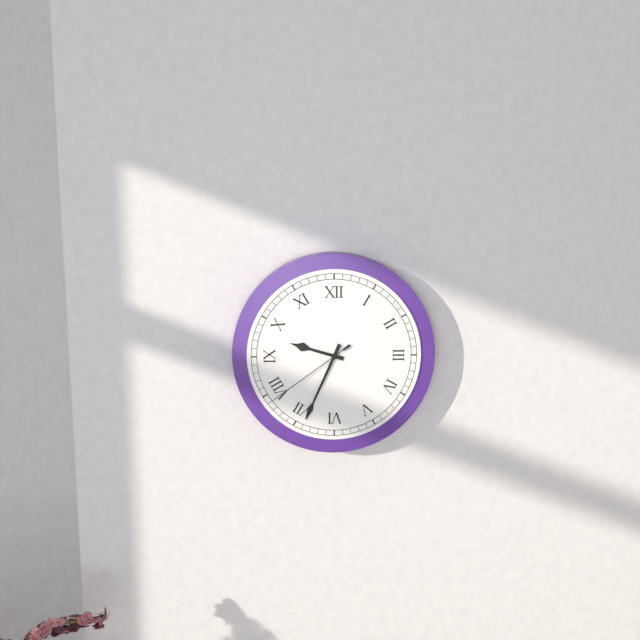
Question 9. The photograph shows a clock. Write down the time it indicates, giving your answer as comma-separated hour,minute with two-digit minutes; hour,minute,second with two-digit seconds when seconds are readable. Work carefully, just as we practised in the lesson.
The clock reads 9,34,39
